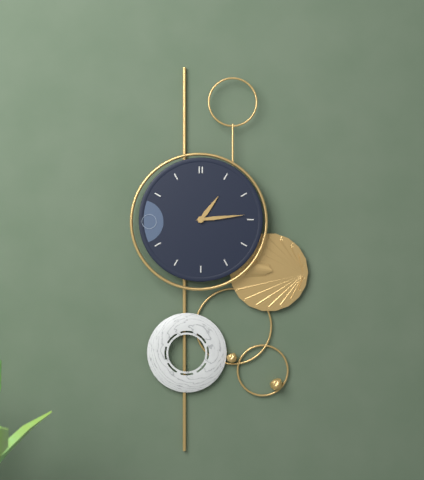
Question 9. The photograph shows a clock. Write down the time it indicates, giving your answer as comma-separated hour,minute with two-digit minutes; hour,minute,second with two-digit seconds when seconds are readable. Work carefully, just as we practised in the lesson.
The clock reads 1,14
